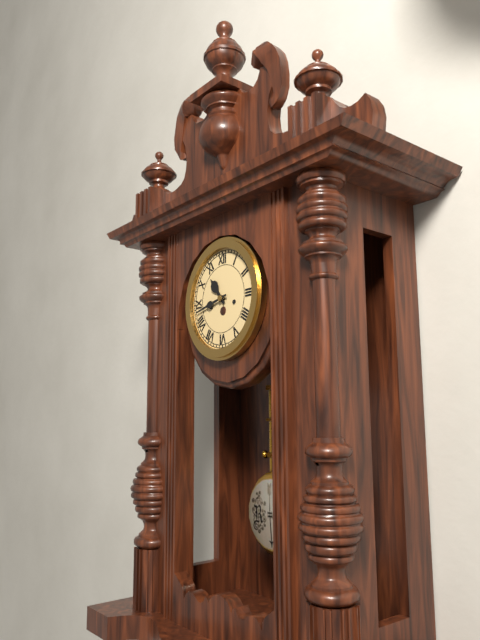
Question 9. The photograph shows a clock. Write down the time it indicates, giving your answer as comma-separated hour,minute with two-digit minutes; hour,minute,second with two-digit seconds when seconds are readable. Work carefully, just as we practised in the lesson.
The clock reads 10,43
